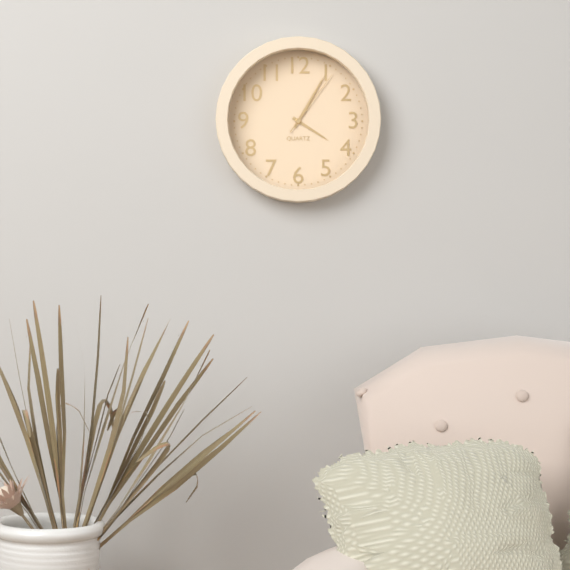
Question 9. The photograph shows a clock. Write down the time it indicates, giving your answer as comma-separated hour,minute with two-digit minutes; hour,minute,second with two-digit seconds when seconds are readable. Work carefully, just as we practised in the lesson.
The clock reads 4,05,06
